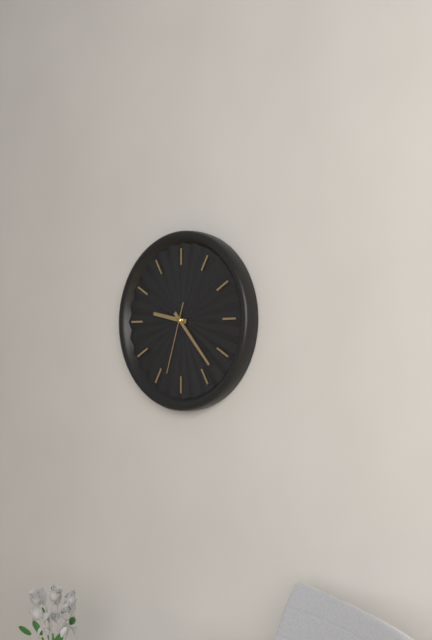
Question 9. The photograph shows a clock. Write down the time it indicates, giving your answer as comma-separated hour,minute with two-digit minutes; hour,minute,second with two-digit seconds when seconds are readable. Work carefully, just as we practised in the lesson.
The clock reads 9,23,33
